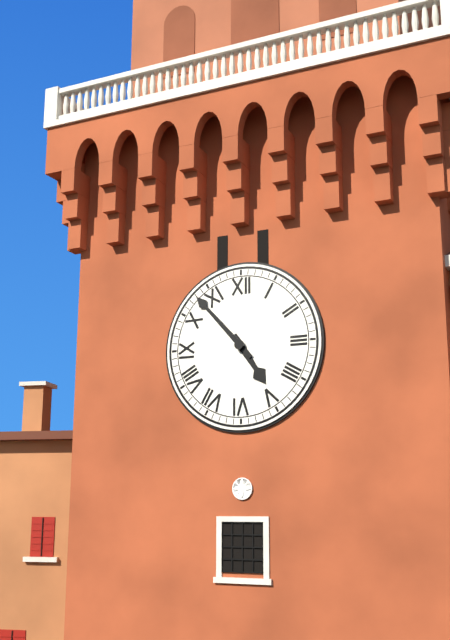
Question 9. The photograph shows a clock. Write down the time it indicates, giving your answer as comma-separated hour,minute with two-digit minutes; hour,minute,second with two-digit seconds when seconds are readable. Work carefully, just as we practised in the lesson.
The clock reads 4,53
